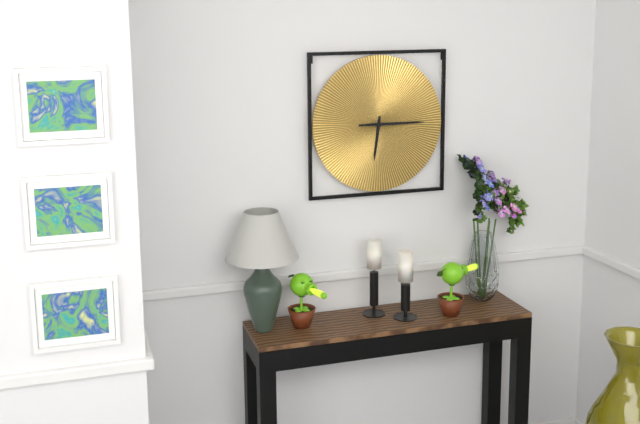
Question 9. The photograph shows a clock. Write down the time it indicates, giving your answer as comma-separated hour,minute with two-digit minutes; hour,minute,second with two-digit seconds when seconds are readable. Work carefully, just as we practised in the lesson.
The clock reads 6,15
